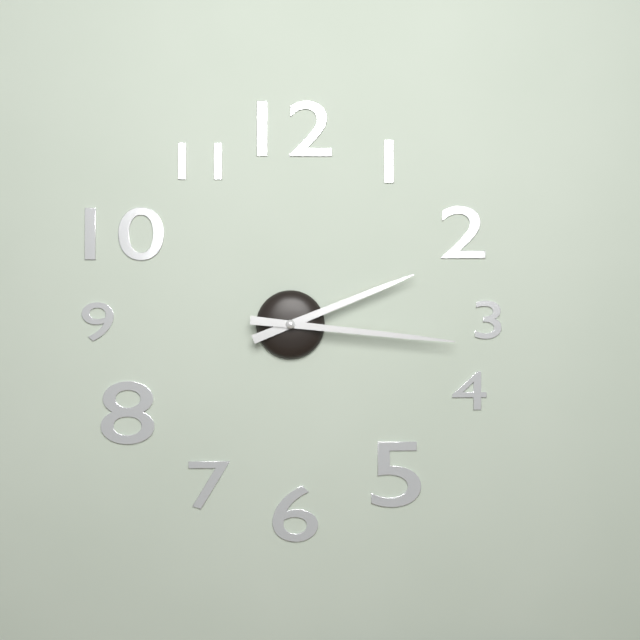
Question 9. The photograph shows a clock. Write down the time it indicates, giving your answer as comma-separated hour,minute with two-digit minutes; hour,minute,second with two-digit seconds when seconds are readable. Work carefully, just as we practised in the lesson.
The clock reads 2,16
